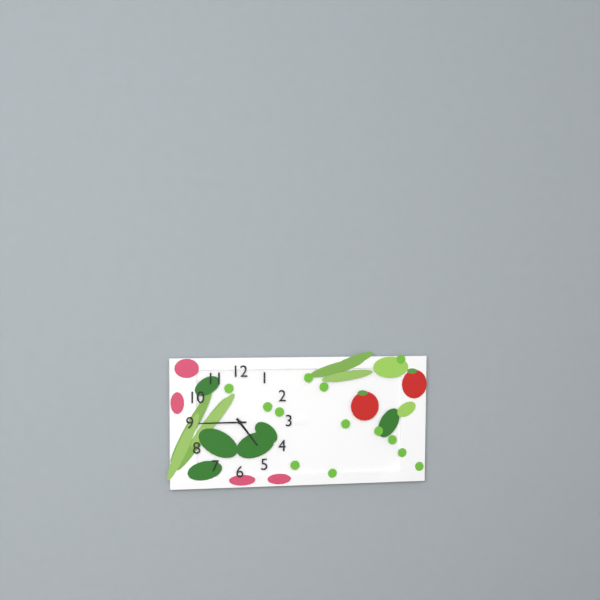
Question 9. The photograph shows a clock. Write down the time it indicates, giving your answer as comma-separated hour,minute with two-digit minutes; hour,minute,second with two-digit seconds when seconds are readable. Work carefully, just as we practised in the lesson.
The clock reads 4,45
